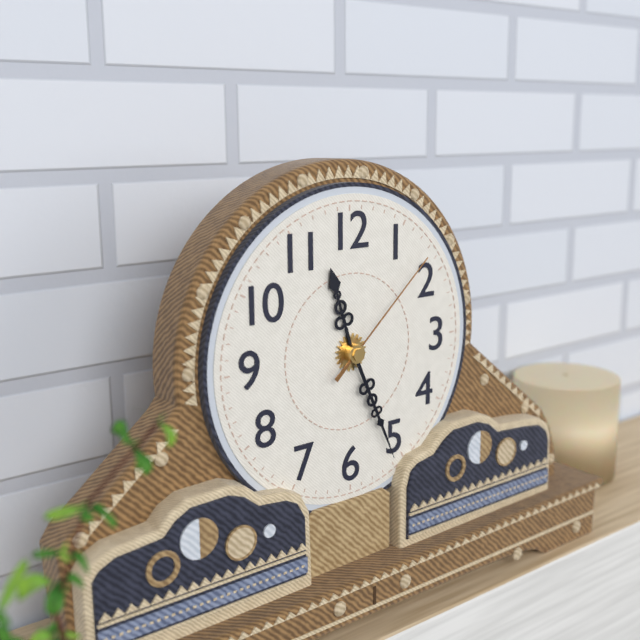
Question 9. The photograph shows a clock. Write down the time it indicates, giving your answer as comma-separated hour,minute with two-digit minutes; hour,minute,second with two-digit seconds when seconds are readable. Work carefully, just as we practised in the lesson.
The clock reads 11,26,08
